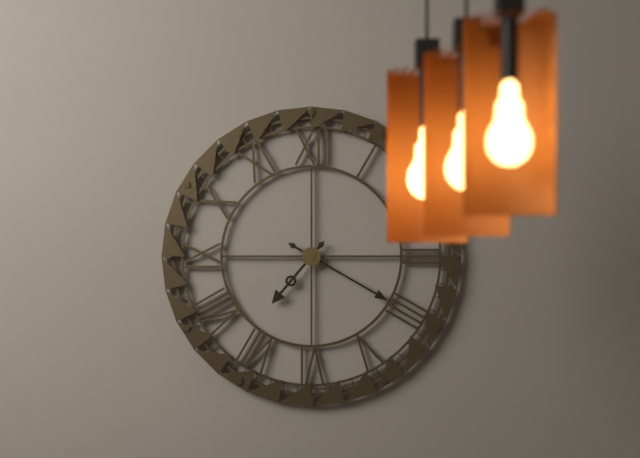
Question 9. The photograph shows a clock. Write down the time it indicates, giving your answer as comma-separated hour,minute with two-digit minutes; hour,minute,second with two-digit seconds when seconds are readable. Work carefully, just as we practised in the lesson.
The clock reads 7,20
